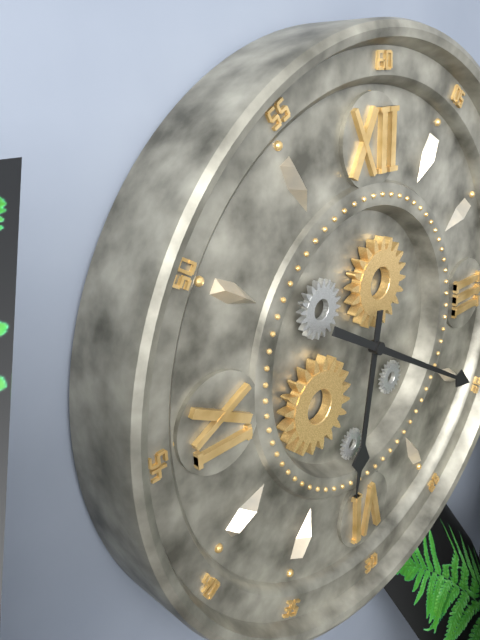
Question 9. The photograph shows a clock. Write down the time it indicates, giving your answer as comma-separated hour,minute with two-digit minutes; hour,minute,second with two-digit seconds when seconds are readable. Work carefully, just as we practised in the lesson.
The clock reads 6,20
